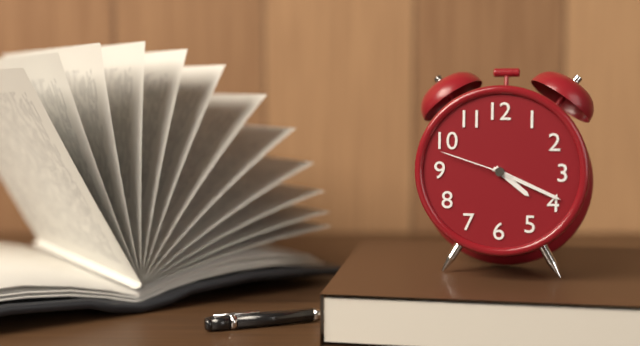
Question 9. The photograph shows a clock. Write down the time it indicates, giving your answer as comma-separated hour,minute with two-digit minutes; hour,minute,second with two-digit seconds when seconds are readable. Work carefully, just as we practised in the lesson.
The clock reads 4,19,48
